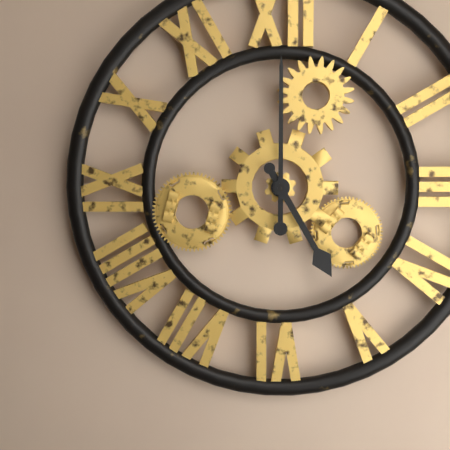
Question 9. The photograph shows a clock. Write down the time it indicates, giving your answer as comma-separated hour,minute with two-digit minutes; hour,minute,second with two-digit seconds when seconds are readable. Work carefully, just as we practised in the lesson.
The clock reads 5,00
